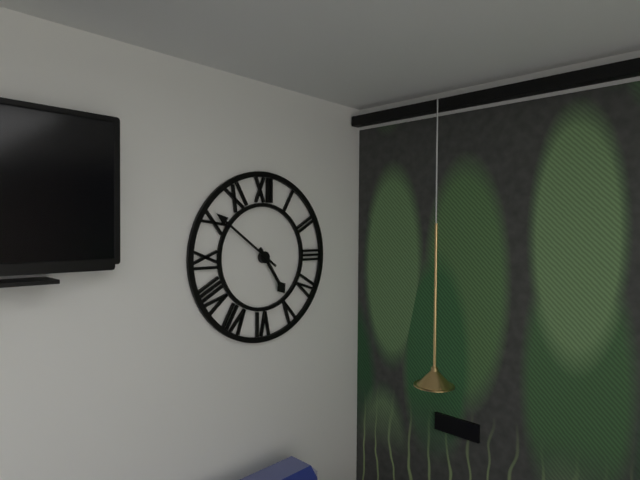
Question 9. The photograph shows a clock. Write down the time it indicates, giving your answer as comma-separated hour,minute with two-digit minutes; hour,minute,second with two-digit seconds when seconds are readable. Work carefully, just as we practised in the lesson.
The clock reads 4,51
